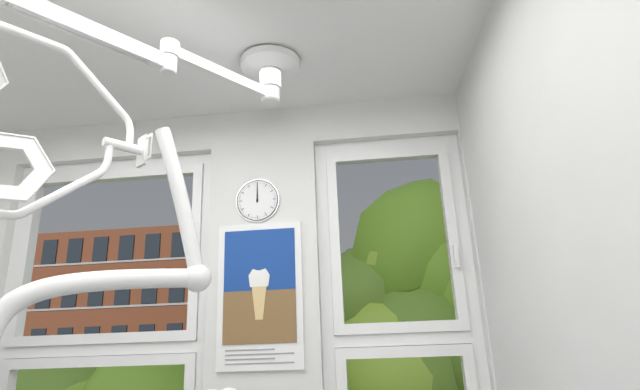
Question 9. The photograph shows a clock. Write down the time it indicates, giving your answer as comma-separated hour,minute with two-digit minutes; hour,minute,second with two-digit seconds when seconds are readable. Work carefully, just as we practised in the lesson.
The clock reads 12,00
